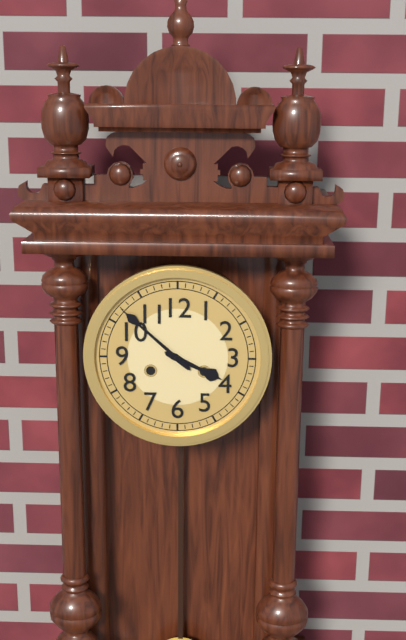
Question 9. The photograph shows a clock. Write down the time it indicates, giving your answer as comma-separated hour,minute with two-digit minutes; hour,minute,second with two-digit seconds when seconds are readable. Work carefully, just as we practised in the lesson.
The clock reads 3,52
